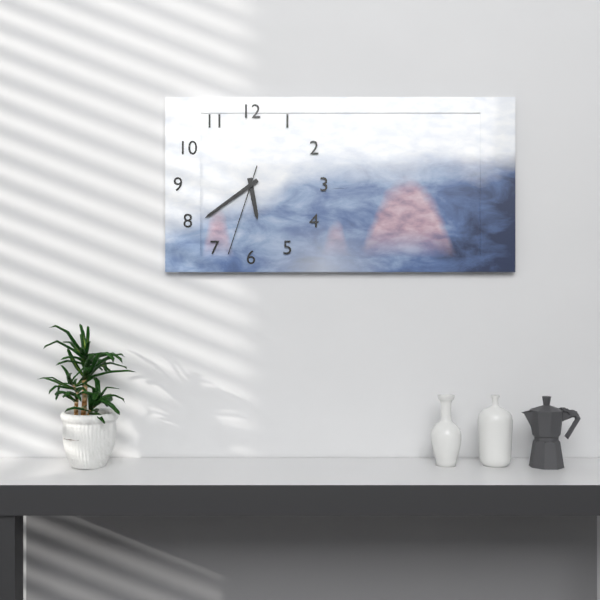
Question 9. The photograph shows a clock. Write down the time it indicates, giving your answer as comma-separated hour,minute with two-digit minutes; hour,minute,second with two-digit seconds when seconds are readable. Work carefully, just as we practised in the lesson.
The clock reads 5,39,33
